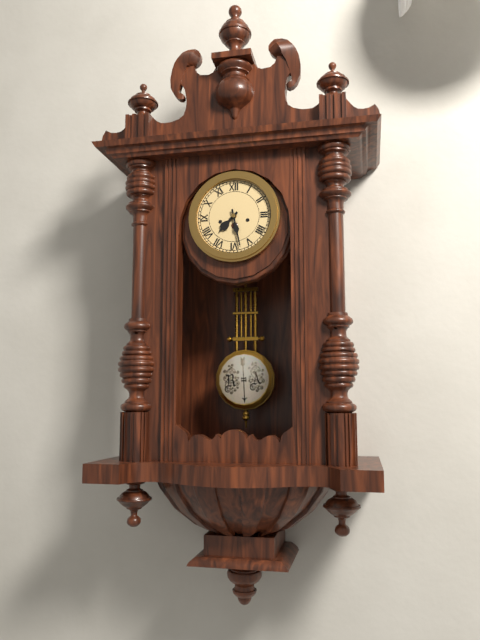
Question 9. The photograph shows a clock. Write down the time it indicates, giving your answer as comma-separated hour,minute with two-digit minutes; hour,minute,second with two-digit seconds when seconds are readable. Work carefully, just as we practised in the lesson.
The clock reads 7,28
